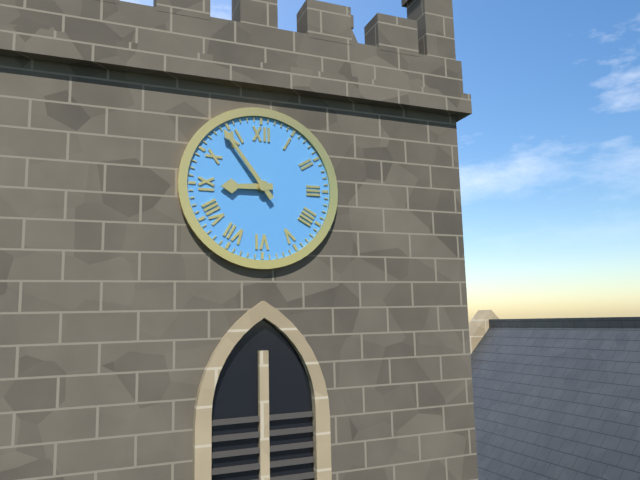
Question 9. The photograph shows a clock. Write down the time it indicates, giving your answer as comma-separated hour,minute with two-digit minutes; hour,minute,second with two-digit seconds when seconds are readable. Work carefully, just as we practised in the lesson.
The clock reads 8,54
